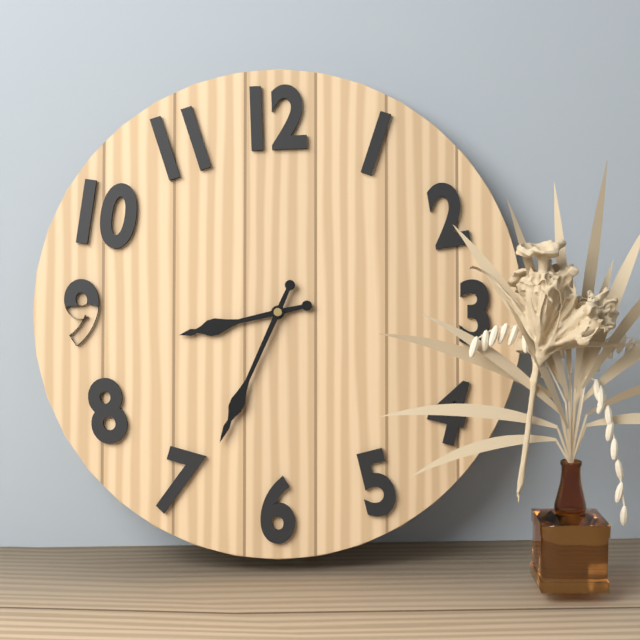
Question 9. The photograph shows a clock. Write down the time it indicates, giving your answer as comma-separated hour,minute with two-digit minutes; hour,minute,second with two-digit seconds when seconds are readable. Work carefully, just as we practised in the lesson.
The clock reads 8,34
